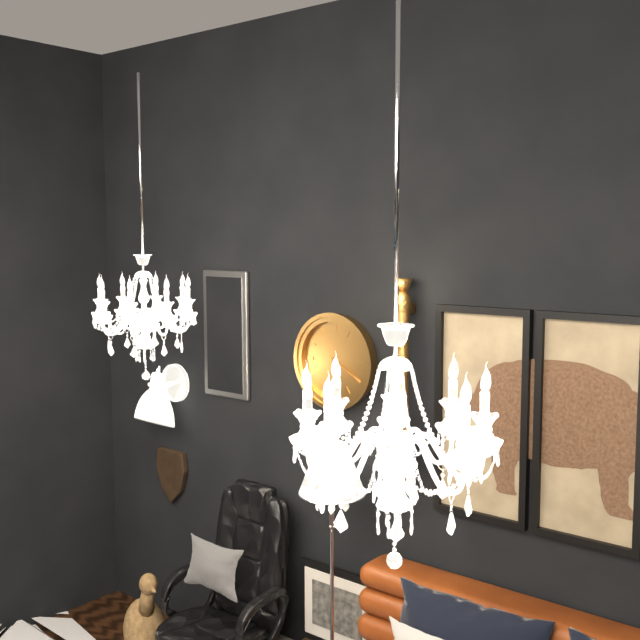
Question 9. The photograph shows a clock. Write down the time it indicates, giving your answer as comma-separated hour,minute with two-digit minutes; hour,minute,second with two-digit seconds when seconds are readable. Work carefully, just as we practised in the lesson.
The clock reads 6,20
